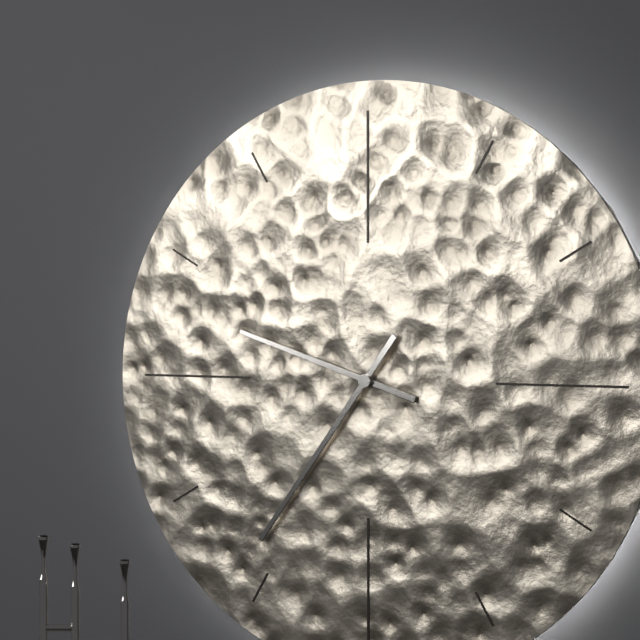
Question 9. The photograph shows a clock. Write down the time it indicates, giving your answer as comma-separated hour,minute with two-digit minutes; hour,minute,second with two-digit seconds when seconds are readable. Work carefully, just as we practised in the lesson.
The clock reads 9,36
